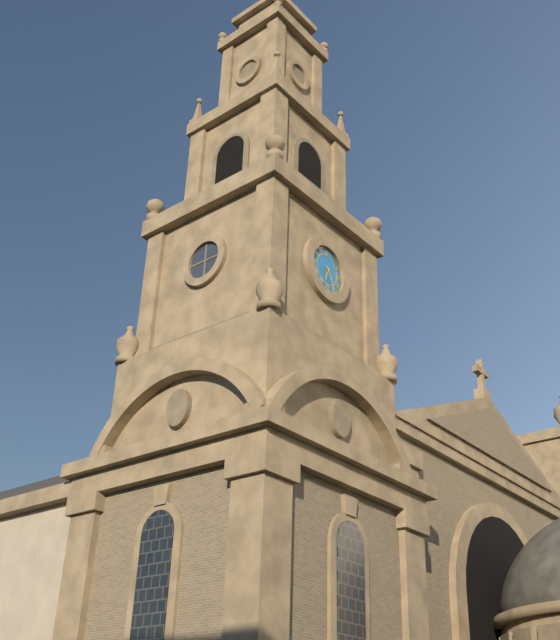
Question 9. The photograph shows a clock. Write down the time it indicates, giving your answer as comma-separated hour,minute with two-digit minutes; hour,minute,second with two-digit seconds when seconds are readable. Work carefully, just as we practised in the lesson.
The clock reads 6,25
